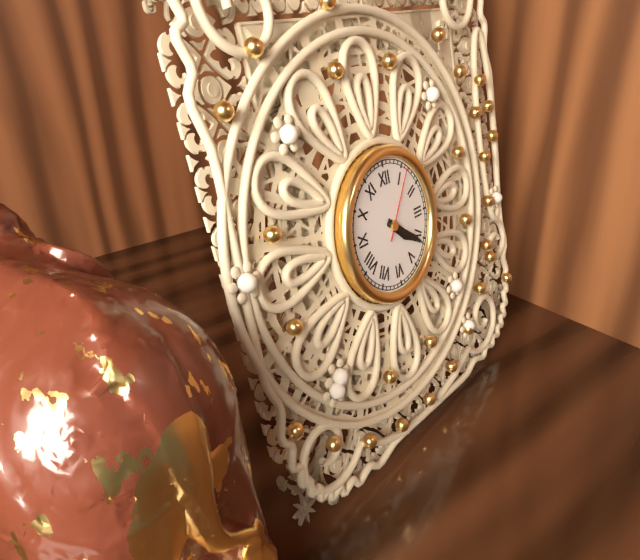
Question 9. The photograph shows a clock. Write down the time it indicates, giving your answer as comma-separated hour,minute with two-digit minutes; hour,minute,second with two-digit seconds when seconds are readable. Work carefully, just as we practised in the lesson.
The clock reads 4,21,06
